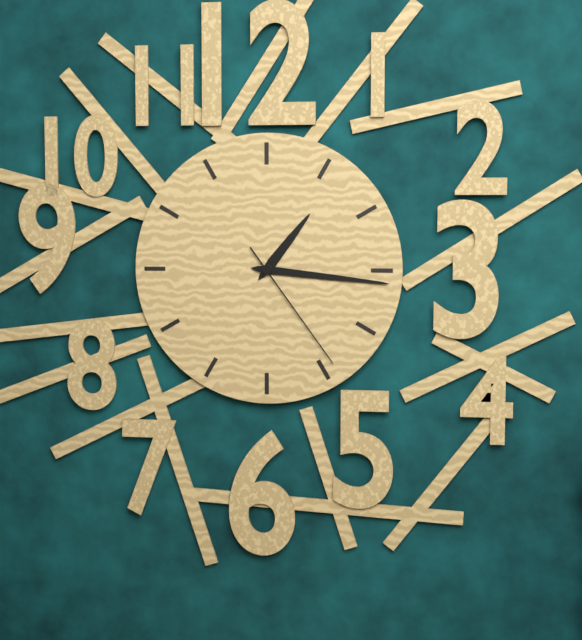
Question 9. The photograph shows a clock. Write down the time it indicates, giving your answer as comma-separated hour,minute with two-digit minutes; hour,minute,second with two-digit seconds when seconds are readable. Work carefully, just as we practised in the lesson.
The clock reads 1,16,24
